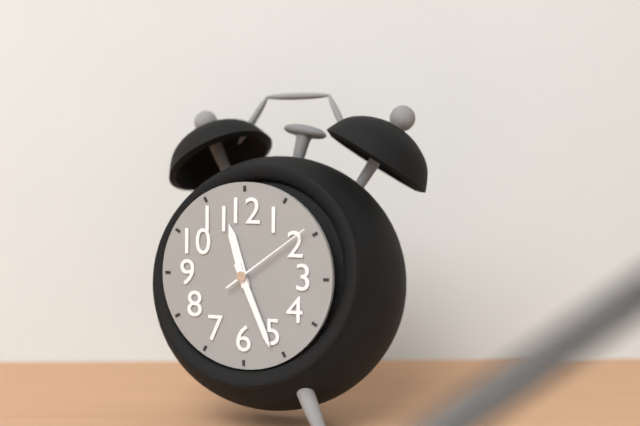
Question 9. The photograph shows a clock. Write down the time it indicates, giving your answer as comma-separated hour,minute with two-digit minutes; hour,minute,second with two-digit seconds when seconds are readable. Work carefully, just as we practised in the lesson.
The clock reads 11,26,09
